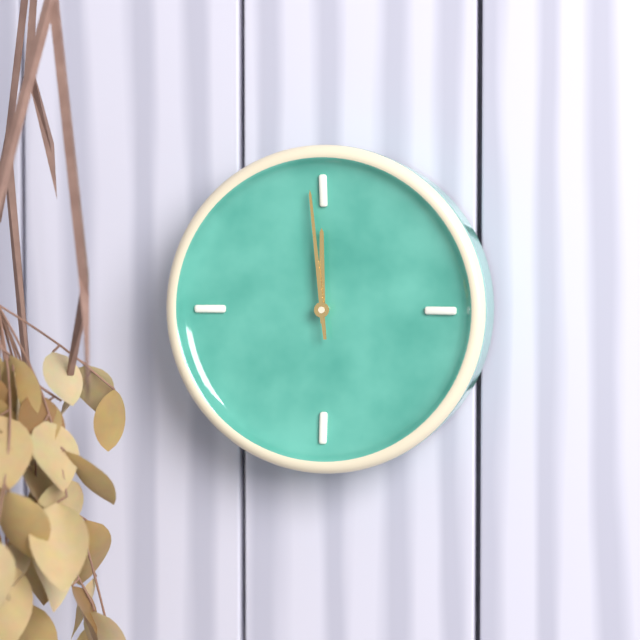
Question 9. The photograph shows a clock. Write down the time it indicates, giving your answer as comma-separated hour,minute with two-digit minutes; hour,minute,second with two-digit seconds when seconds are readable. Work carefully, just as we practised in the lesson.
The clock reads 11,59
